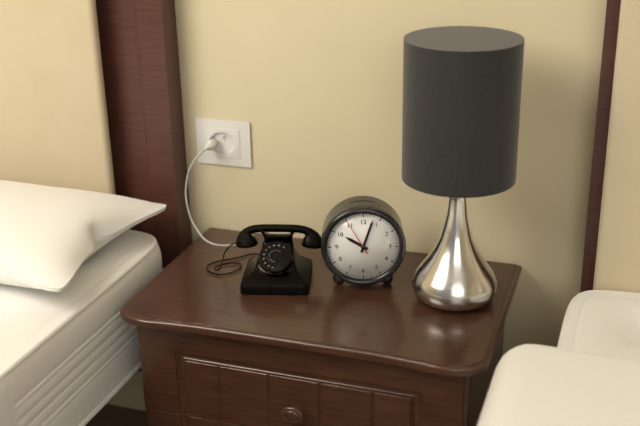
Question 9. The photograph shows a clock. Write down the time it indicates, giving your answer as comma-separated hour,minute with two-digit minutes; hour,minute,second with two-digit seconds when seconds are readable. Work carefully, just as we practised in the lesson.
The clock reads 10,03
